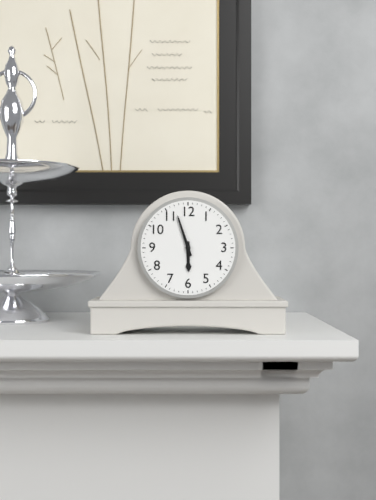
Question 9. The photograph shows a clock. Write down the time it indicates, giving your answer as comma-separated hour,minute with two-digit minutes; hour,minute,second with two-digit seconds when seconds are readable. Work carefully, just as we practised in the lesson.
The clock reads 5,57
